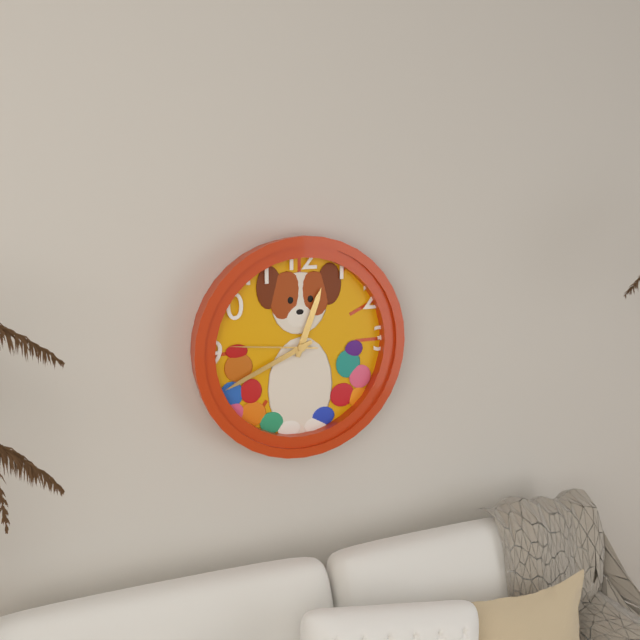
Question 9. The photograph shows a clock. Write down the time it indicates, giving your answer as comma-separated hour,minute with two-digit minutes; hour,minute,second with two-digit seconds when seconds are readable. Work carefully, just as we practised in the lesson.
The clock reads 12,41,46
